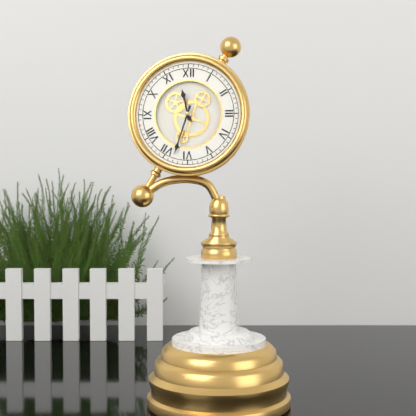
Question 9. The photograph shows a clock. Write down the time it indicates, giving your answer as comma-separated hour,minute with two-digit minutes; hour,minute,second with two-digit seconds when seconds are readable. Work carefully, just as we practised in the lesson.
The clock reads 11,33
